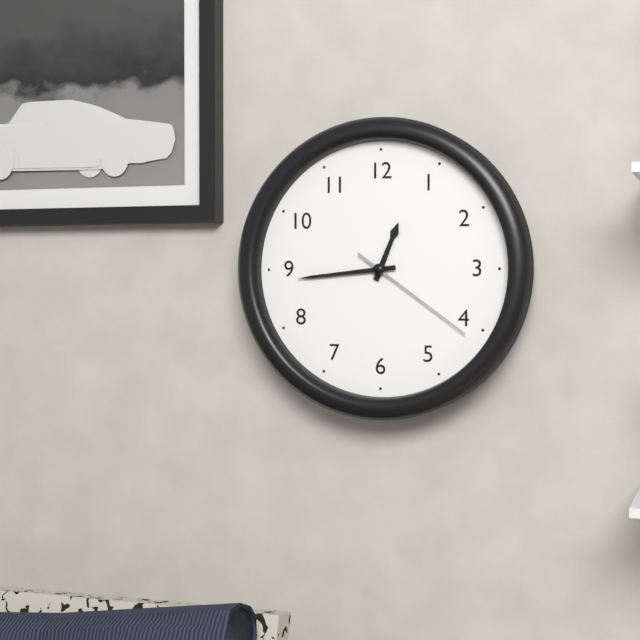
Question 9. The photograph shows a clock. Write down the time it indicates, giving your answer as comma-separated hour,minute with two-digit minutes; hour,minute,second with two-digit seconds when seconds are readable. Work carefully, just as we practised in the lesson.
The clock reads 12,44,21
